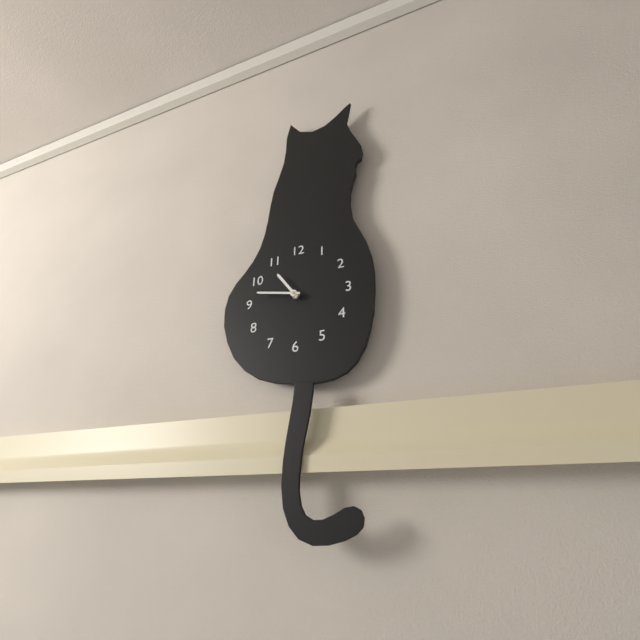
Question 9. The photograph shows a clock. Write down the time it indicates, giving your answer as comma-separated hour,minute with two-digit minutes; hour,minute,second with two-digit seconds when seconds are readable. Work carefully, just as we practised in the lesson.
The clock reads 10,47
